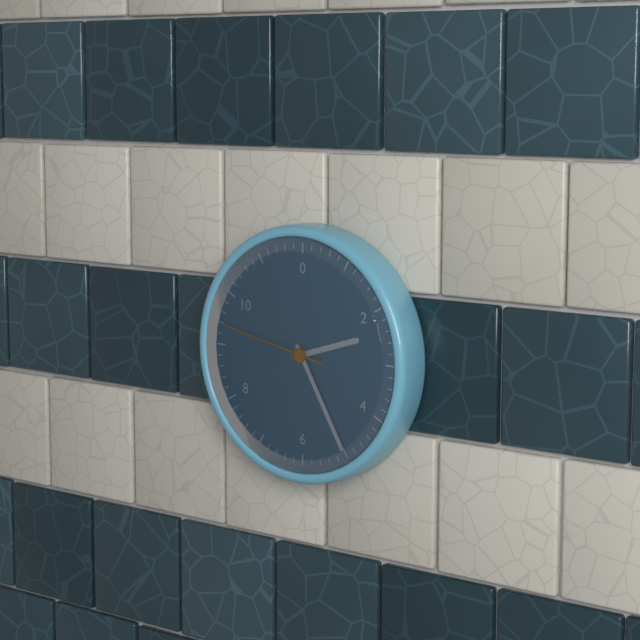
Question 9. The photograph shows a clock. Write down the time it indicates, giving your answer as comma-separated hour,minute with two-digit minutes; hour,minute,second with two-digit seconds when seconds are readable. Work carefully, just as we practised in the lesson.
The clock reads 2,25,47
